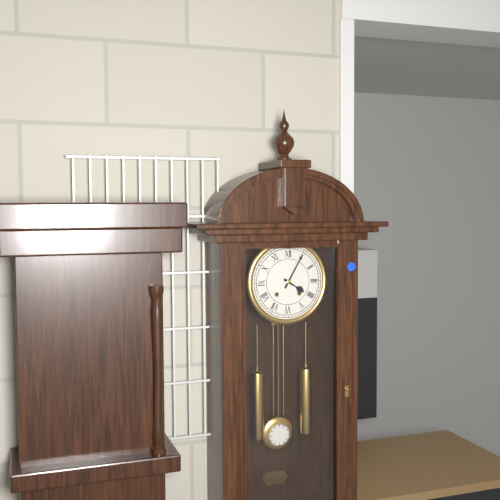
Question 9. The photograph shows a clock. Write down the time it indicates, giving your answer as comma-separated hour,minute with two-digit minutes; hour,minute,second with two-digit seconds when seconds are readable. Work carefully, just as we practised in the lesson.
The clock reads 4,05
